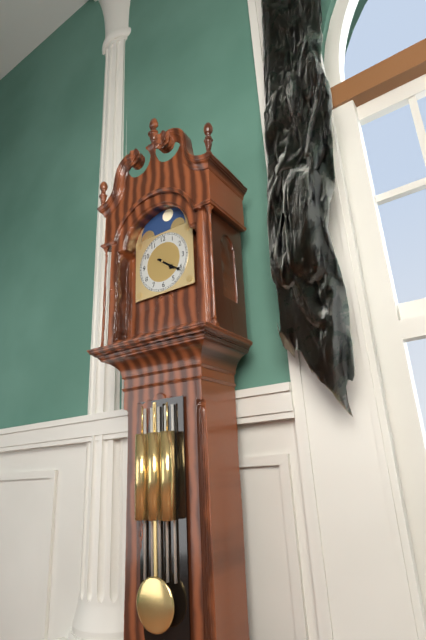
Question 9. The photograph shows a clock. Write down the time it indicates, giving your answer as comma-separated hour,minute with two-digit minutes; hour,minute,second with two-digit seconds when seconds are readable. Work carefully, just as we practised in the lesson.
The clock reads 4,21
